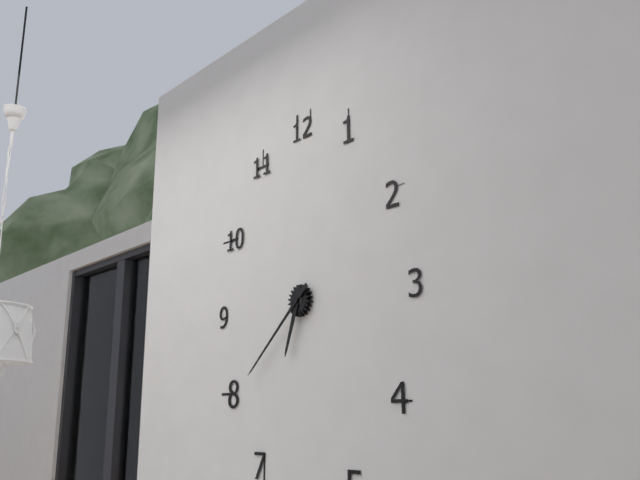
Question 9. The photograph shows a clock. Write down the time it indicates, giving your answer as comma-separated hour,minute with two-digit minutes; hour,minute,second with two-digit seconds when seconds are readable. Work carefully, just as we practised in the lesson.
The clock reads 6,38
